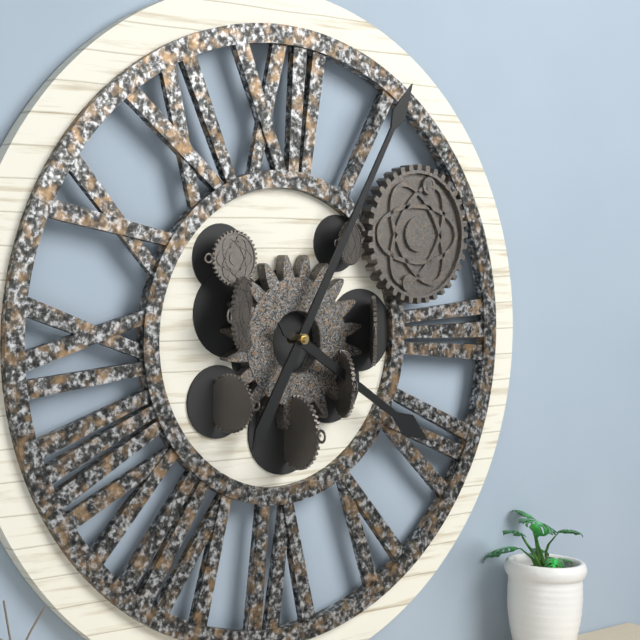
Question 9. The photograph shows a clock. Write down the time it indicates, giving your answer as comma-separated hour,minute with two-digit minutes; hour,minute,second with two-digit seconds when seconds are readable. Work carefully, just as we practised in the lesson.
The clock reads 4,05
